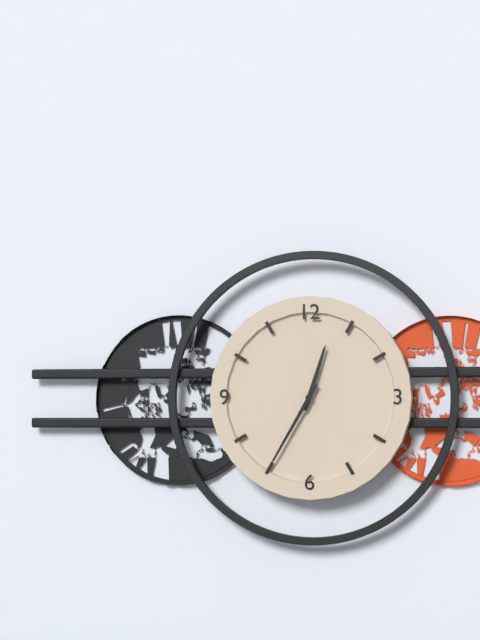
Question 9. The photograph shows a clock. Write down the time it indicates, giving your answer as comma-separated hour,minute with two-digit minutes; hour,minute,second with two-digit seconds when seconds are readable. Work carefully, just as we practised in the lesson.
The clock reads 12,35
